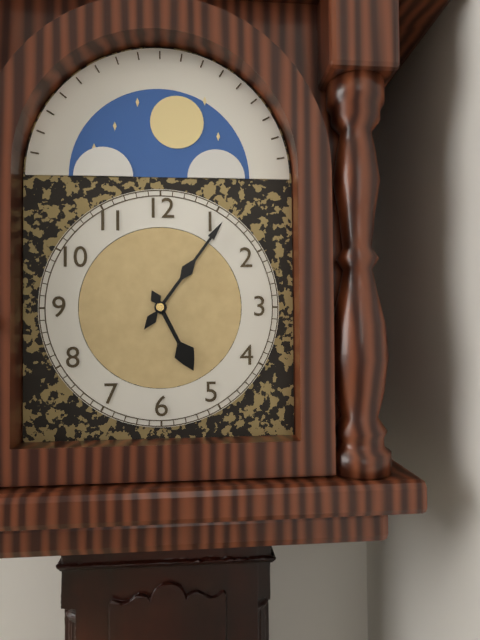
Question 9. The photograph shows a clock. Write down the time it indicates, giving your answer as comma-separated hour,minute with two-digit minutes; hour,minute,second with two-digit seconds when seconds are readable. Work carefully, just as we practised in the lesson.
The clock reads 5,06
